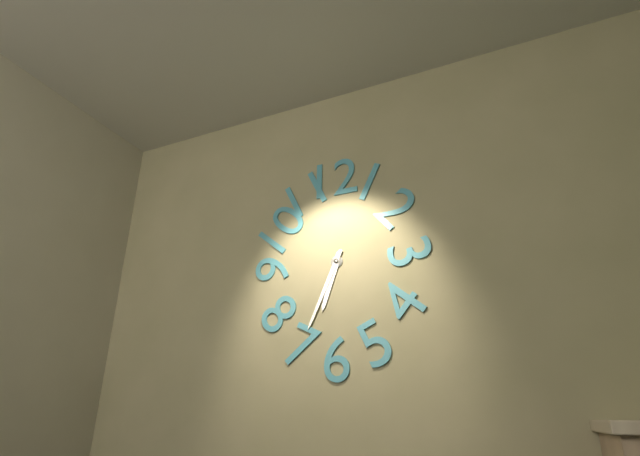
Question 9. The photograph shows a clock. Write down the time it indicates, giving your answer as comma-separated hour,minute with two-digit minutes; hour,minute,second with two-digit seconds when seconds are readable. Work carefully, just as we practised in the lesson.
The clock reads 6,34
